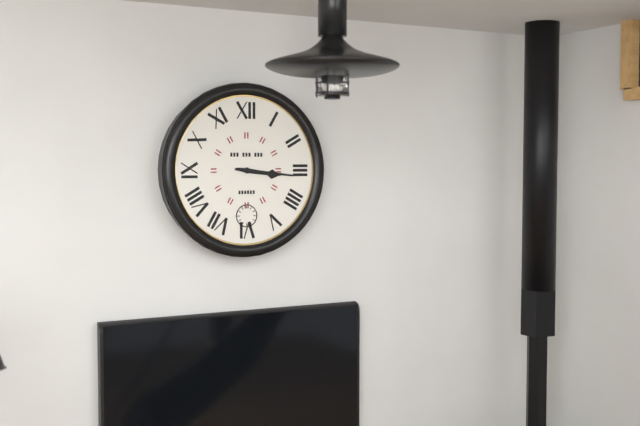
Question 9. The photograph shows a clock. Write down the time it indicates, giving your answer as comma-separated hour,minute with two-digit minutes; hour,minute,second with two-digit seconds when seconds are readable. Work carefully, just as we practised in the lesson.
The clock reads 3,16
